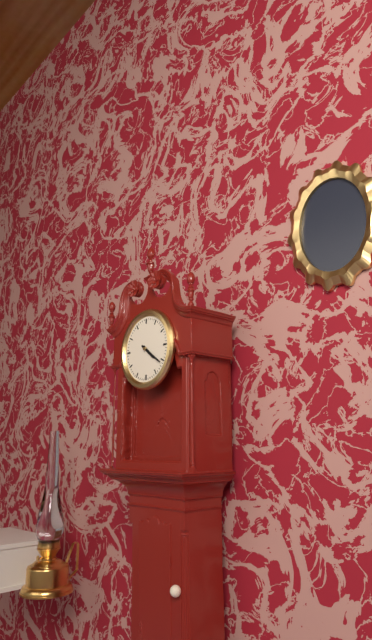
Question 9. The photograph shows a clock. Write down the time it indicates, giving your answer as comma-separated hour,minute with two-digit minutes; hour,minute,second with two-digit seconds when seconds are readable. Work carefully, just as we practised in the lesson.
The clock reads 4,21
